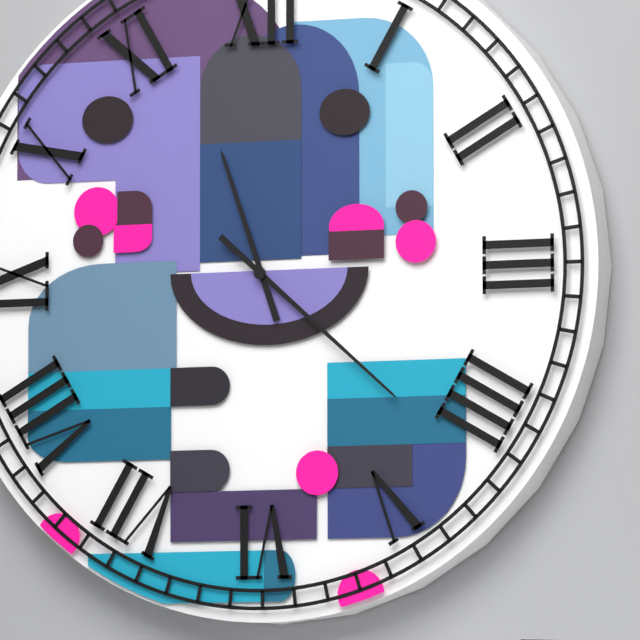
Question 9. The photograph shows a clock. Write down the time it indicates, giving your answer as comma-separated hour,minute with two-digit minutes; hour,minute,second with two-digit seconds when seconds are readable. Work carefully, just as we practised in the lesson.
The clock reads 11,22
